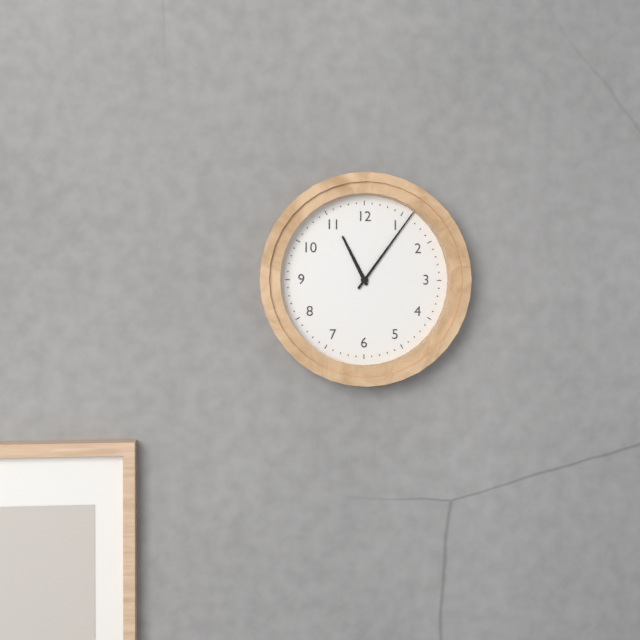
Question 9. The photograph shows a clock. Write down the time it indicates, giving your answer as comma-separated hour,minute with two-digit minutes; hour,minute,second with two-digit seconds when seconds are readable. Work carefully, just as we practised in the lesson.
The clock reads 11,06
